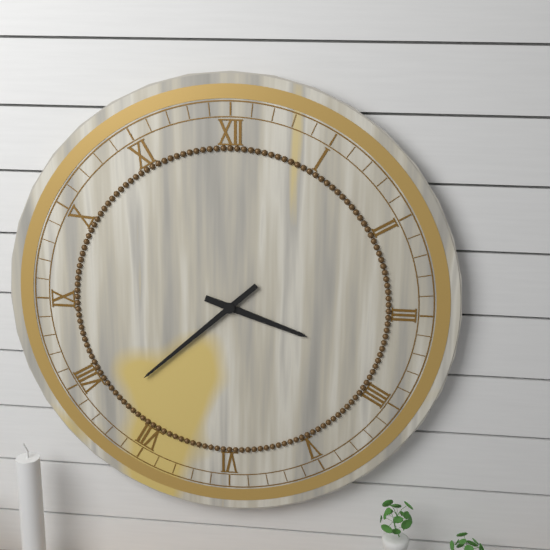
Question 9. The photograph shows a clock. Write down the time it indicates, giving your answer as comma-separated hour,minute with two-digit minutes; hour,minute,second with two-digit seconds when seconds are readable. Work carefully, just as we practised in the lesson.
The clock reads 3,38
